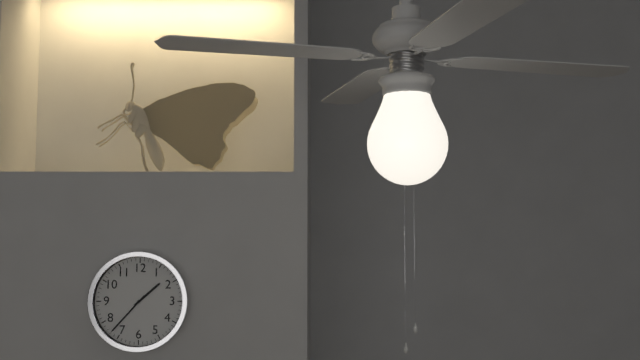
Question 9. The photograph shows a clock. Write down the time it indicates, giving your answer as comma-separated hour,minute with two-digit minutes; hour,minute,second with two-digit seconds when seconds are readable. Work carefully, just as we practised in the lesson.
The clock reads 1,37
